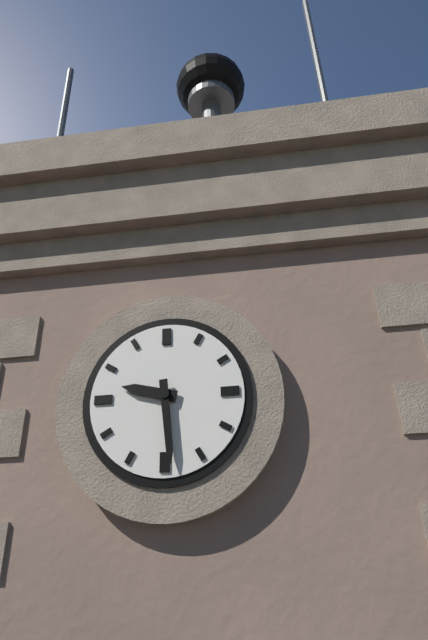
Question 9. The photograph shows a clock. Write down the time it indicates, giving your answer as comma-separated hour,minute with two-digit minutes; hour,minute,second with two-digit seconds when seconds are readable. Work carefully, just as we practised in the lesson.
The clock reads 9,29
